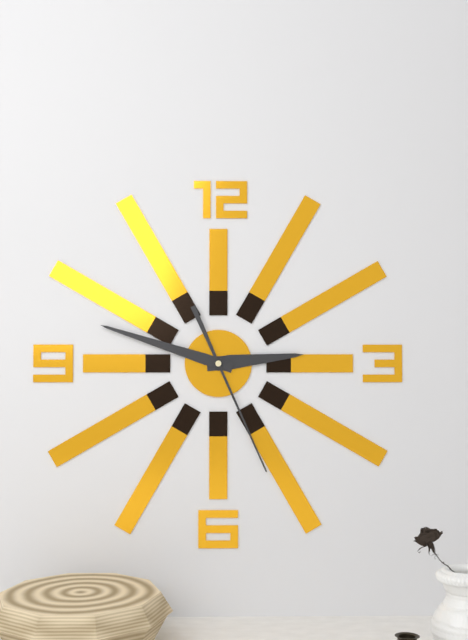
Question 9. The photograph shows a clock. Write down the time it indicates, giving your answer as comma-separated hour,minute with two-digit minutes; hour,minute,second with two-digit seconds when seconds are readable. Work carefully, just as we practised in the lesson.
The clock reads 2,48,26
